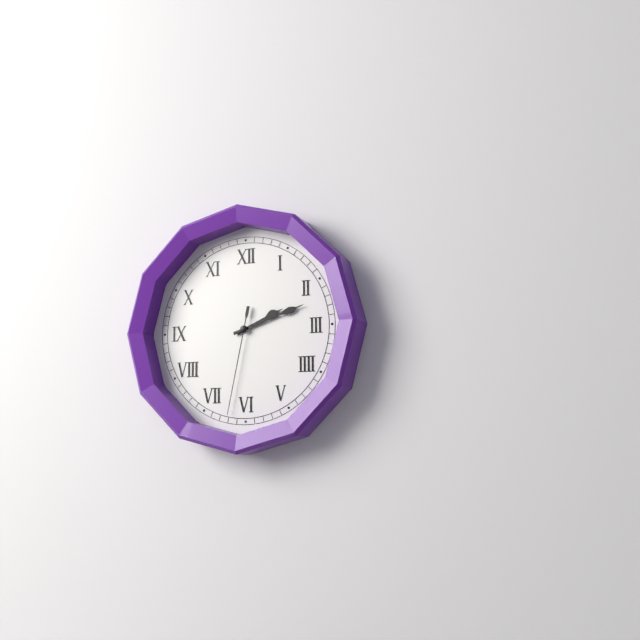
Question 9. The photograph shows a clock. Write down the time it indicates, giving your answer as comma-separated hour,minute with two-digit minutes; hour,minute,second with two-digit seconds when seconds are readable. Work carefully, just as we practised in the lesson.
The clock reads 2,12,32
